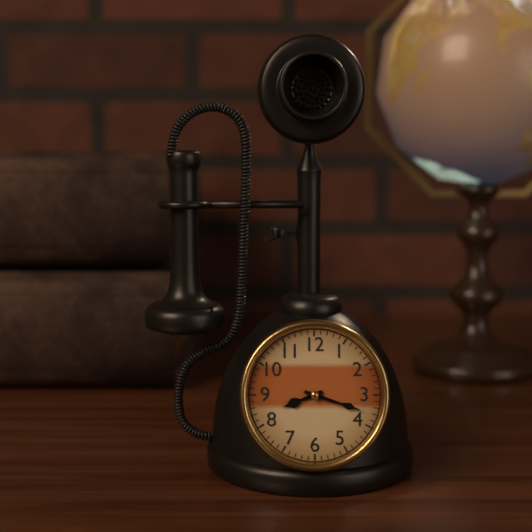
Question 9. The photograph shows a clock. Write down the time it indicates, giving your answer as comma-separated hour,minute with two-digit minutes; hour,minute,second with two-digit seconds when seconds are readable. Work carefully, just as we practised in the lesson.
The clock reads 8,18
